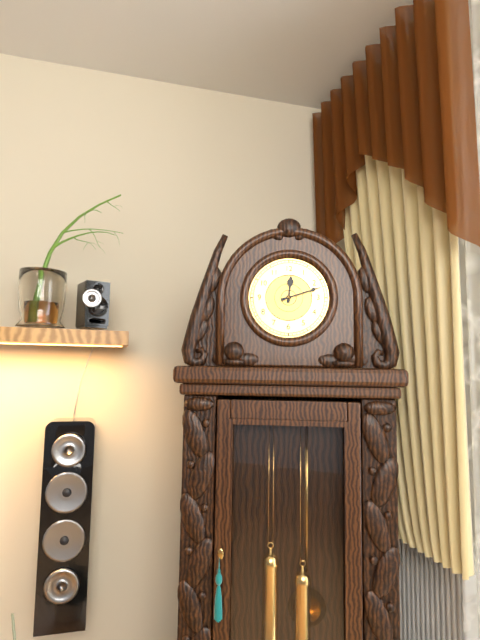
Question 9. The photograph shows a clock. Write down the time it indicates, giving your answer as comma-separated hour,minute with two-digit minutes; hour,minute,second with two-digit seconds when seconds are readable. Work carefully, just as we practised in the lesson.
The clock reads 12,12
